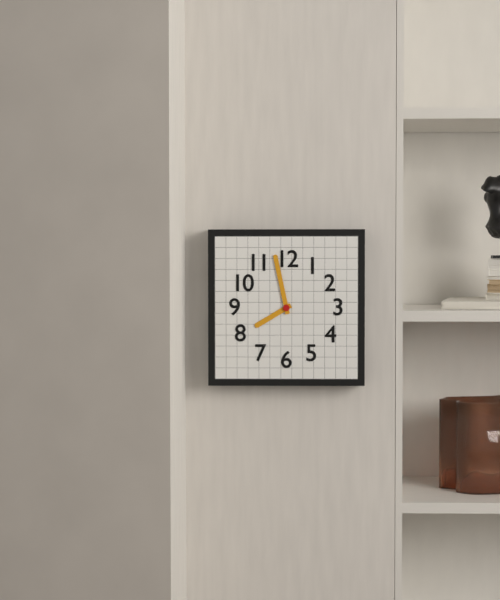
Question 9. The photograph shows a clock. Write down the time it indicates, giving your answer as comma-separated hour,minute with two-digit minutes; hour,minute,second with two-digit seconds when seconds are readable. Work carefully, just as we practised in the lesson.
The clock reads 7,58
